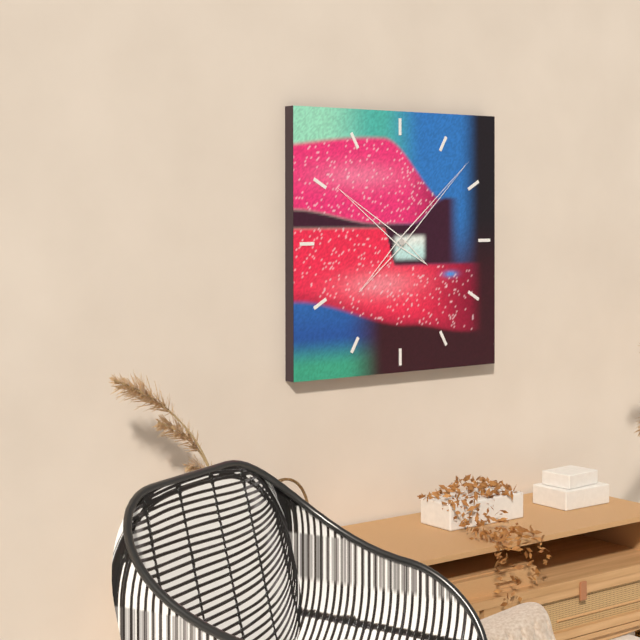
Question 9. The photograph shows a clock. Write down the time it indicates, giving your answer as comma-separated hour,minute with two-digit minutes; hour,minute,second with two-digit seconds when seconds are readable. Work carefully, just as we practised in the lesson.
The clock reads 10,08
